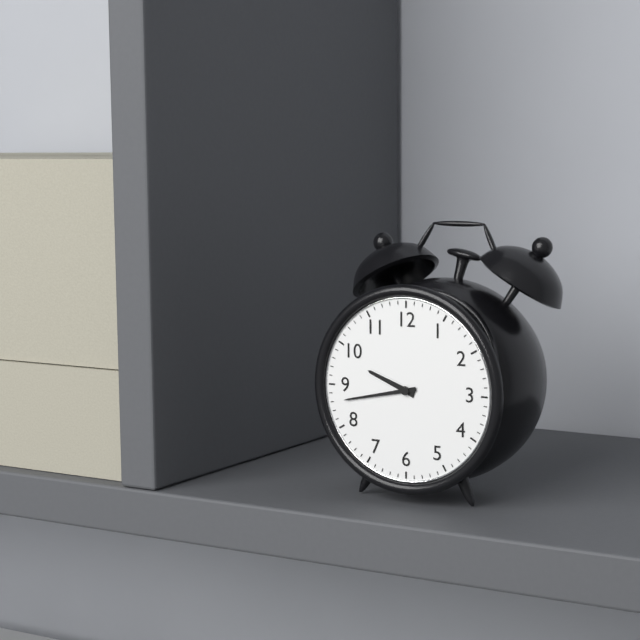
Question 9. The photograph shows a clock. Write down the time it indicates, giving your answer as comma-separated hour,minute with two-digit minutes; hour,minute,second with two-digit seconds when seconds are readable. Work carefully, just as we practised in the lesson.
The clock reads 9,43
